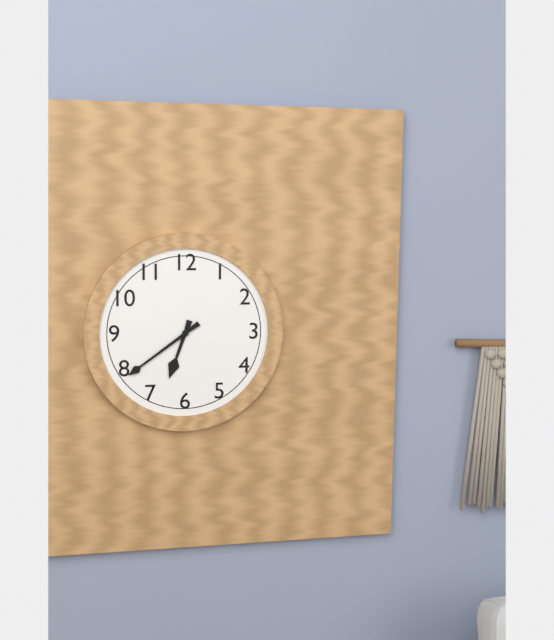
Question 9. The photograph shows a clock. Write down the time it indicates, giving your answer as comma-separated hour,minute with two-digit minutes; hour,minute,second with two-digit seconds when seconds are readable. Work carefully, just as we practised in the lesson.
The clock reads 6,39
